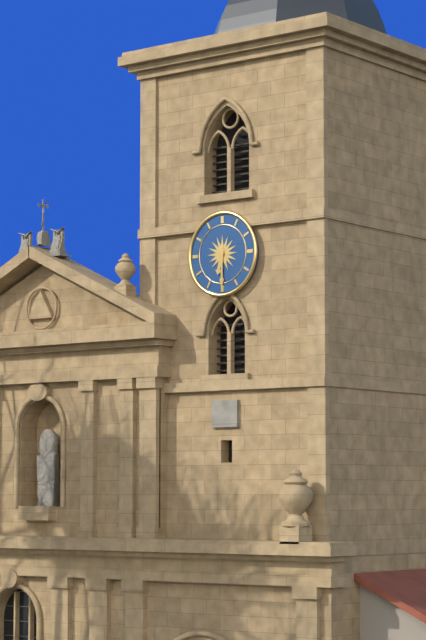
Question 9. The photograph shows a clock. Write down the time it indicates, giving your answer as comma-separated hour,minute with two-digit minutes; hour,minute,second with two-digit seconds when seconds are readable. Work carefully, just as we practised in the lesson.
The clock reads 6,30
